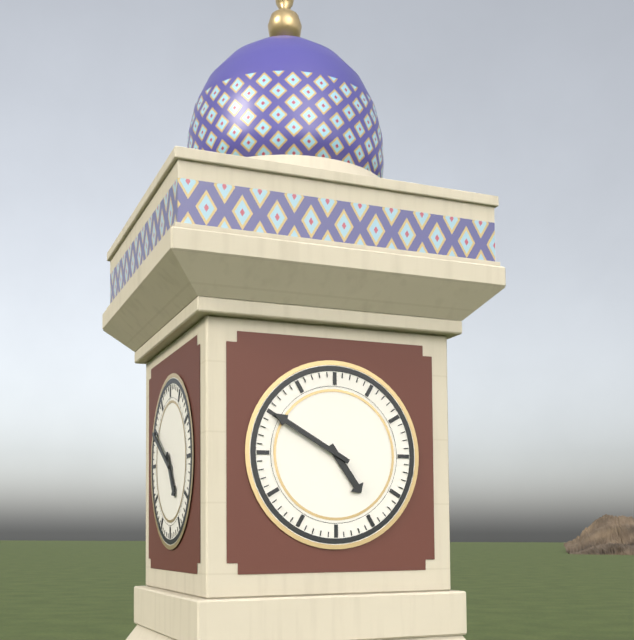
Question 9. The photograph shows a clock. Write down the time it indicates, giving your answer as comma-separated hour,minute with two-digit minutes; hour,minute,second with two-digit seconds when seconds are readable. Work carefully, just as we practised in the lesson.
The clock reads 4,50
